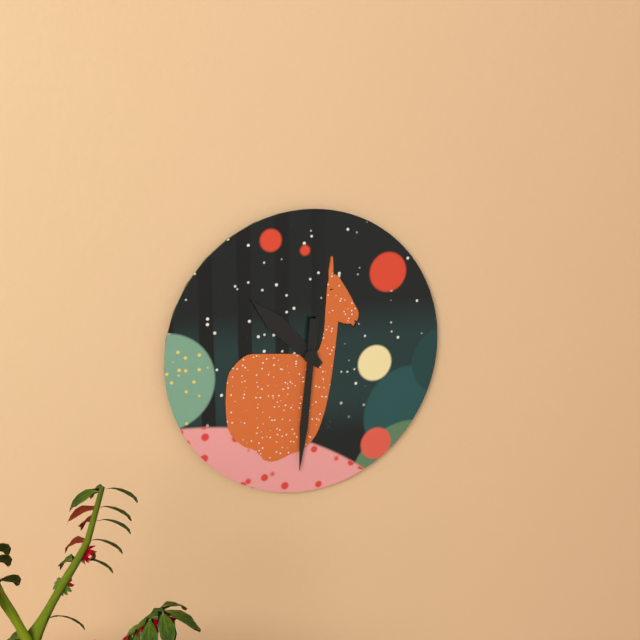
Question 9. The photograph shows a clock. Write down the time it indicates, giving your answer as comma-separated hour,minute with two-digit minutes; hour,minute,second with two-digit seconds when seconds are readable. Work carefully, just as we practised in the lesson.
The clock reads 10,31
